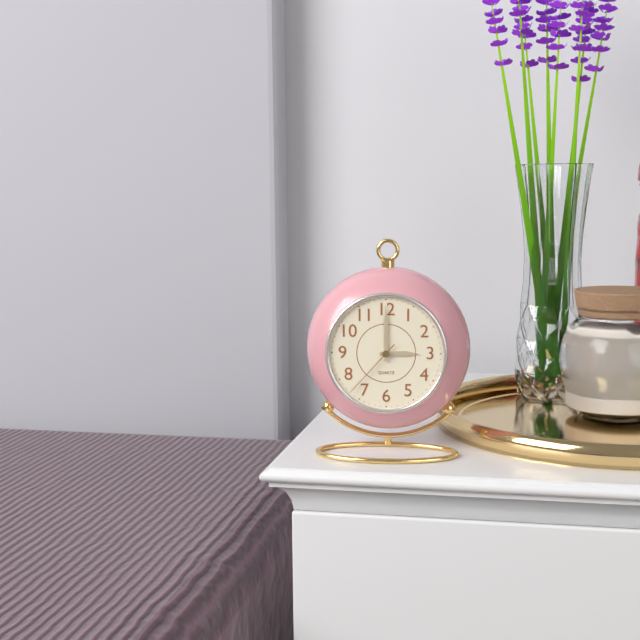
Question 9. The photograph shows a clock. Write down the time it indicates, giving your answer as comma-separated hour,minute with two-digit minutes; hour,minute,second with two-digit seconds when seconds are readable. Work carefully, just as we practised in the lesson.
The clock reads 3,00,37
